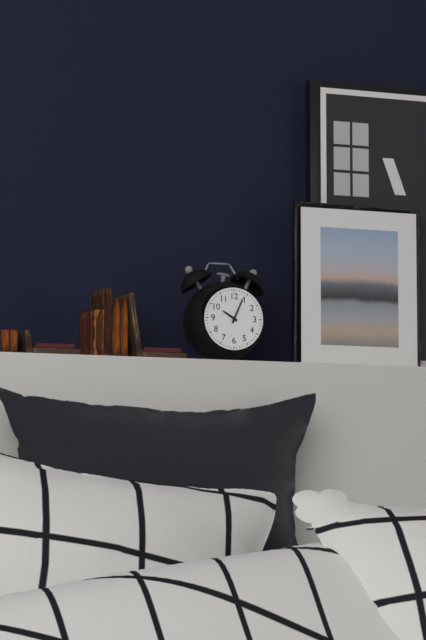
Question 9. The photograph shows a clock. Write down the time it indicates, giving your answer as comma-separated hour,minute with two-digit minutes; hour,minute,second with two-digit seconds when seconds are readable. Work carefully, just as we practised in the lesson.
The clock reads 10,04
